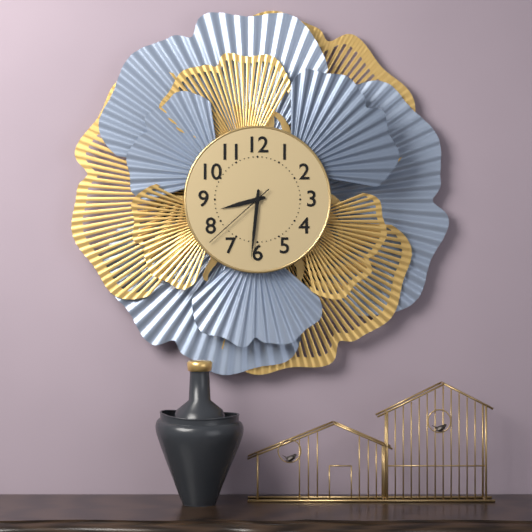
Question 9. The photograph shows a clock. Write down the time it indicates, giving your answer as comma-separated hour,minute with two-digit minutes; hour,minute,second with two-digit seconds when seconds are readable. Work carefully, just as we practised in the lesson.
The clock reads 8,31,38
